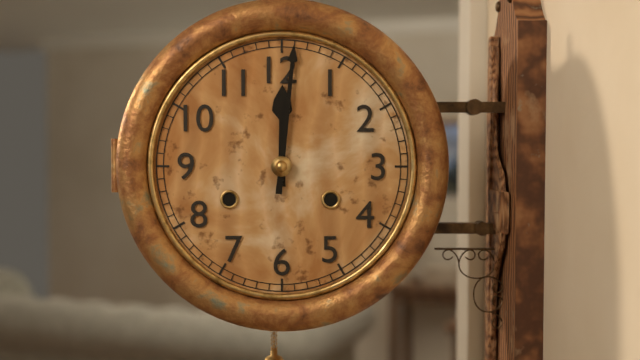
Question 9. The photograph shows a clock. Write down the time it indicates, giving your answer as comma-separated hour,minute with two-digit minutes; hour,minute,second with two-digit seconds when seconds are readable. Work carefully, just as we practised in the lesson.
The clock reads 12,01
